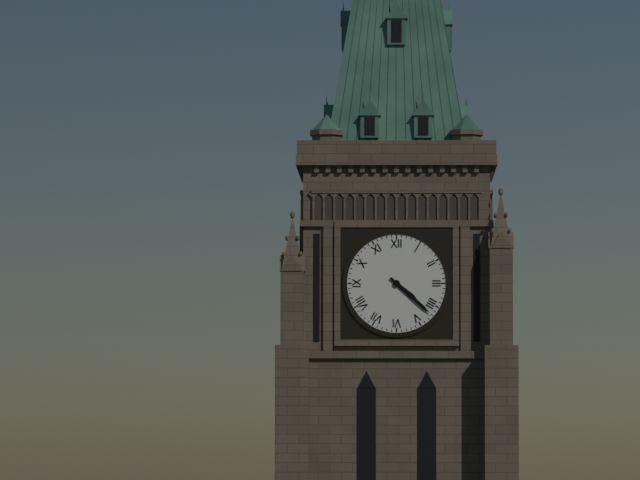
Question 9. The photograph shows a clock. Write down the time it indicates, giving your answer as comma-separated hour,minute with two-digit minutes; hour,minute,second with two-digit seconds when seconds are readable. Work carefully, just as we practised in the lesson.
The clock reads 4,22
